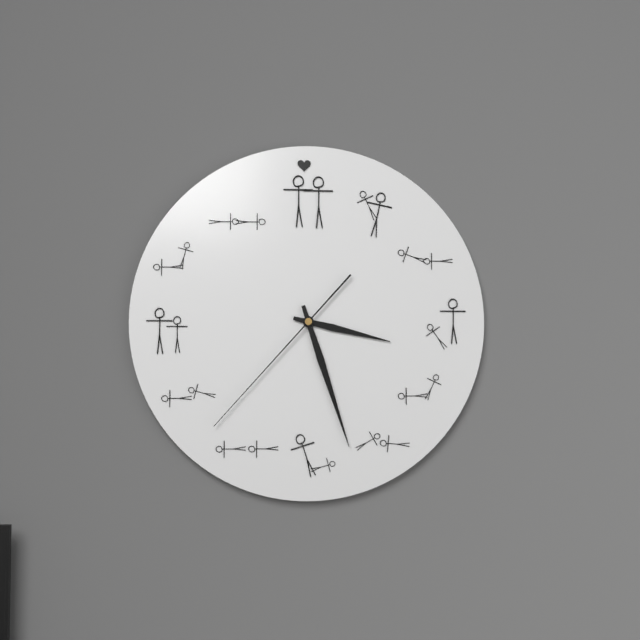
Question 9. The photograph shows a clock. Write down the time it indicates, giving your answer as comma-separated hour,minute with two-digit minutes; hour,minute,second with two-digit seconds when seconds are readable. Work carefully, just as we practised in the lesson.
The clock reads 3,27,37
